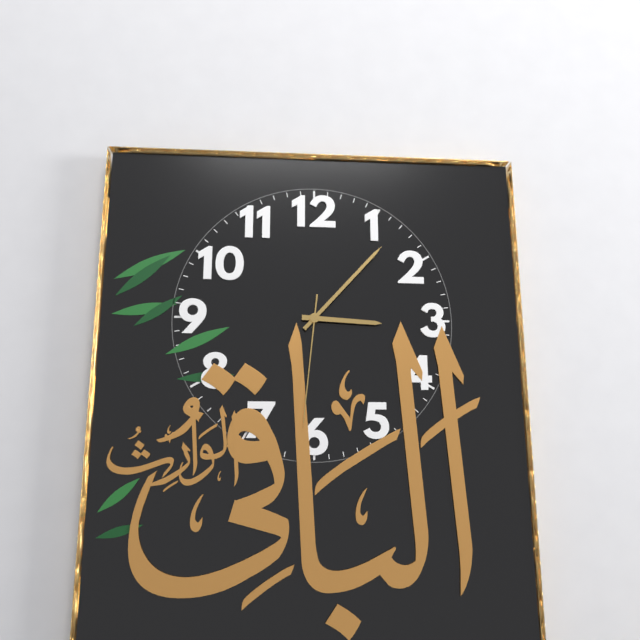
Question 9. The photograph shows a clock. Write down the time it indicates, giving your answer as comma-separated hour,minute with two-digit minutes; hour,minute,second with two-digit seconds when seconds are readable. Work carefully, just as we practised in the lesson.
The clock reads 3,07,31
